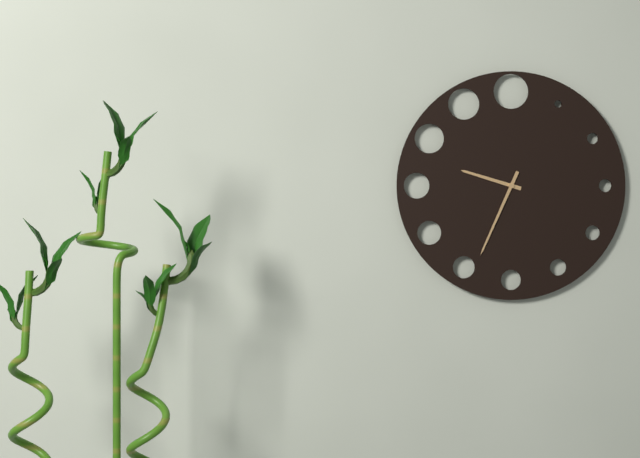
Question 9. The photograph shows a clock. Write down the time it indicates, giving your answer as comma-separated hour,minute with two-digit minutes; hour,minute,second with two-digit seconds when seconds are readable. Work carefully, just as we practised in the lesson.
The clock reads 9,34
